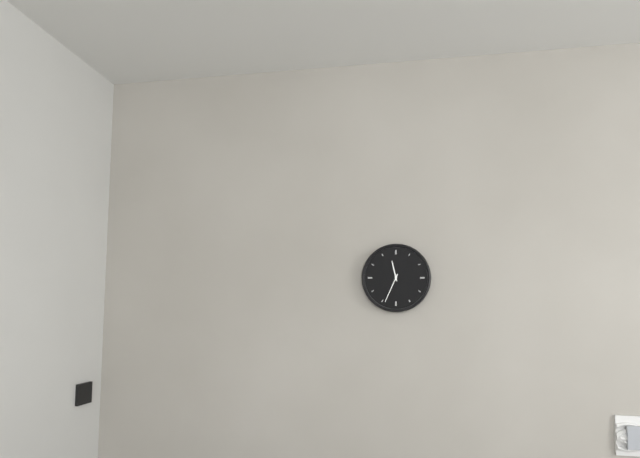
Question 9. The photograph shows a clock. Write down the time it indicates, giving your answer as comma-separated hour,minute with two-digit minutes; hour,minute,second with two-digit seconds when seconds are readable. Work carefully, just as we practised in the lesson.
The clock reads 11,34
